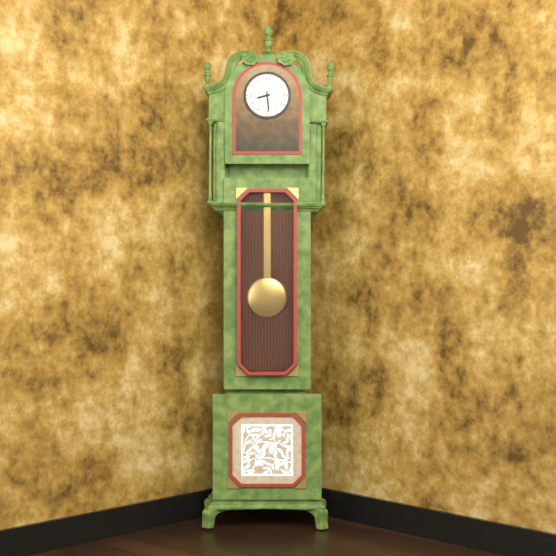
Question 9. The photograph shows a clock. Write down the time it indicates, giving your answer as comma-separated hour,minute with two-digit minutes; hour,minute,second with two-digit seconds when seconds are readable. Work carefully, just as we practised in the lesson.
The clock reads 8,29
